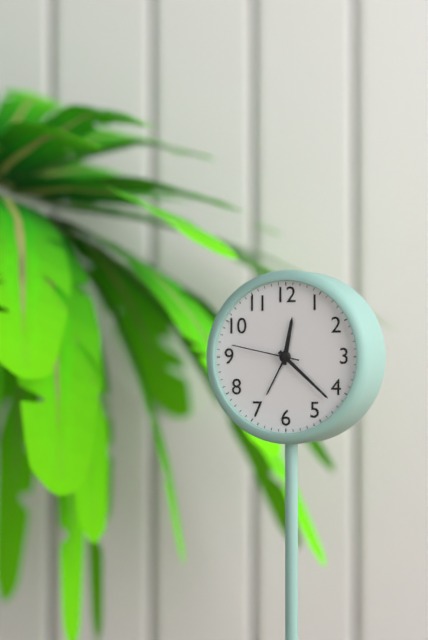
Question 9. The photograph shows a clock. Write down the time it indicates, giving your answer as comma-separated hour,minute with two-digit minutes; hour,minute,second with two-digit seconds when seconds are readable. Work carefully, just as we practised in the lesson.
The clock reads 12,22,47
